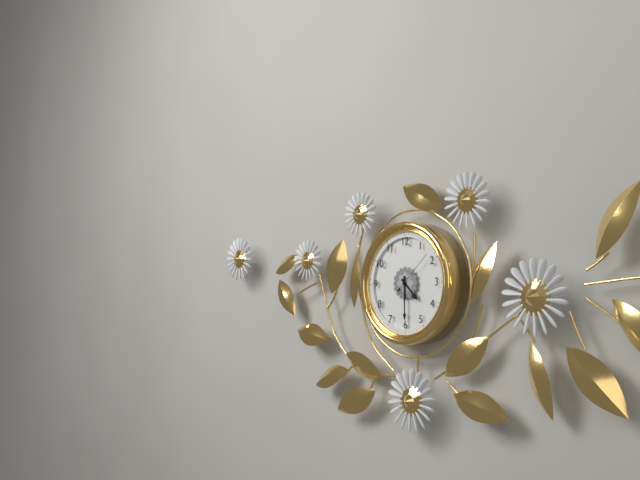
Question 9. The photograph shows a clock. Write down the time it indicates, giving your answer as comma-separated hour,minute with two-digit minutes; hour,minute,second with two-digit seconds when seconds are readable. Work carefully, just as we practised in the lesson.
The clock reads 4,30
